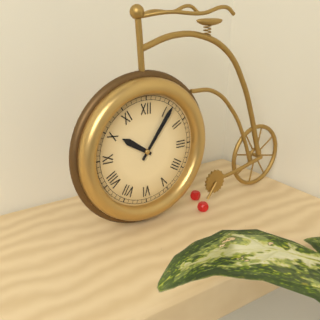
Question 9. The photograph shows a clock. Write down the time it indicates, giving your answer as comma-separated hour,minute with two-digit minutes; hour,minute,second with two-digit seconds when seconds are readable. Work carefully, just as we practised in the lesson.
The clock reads 10,06
